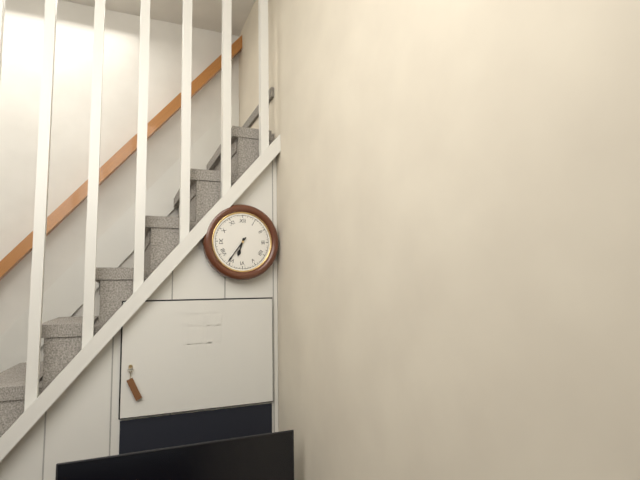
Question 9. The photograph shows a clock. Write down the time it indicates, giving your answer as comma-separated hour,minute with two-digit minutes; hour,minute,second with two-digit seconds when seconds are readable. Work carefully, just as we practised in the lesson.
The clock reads 6,36
